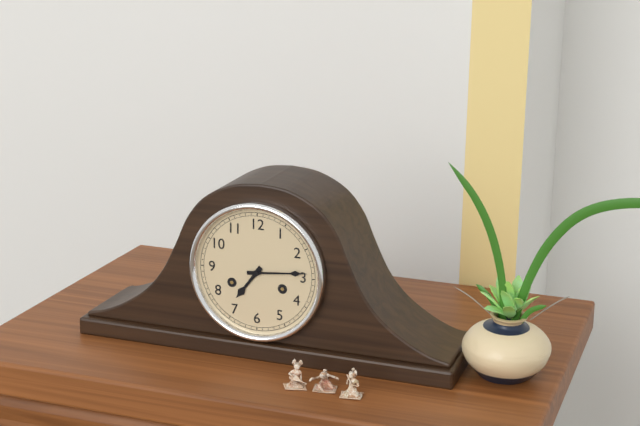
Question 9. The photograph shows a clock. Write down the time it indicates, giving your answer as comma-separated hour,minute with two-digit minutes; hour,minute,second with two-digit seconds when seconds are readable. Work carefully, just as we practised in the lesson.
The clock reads 7,14
